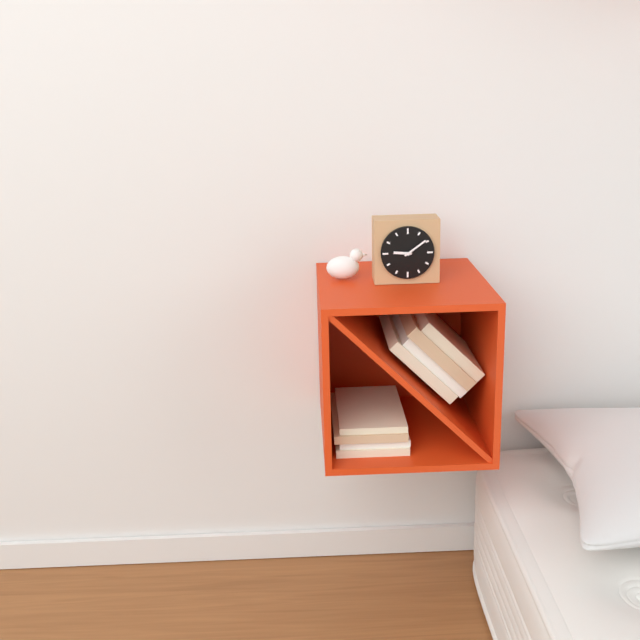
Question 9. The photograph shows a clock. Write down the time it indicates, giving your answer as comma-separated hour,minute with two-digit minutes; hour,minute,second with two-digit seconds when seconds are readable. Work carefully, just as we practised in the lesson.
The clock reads 9,09
